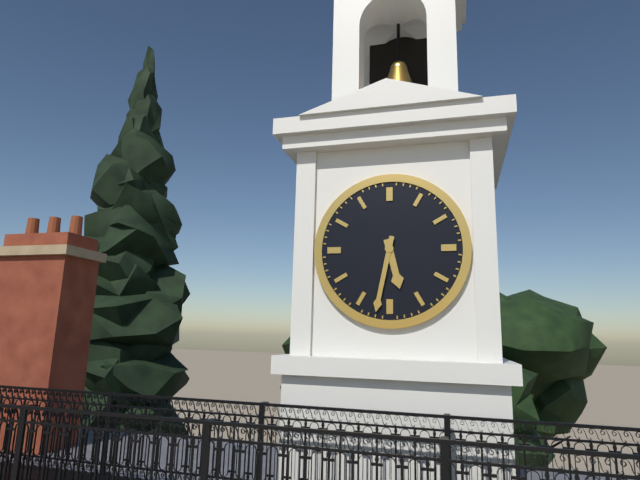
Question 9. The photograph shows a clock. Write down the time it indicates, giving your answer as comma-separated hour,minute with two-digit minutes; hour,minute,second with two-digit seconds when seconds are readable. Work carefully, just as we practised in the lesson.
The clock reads 5,32
